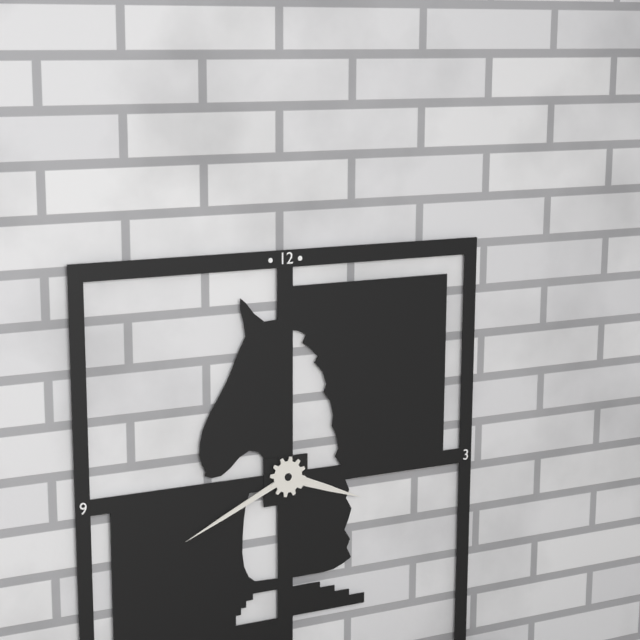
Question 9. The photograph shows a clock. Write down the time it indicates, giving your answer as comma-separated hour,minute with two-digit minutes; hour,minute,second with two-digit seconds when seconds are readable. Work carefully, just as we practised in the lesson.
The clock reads 3,41
